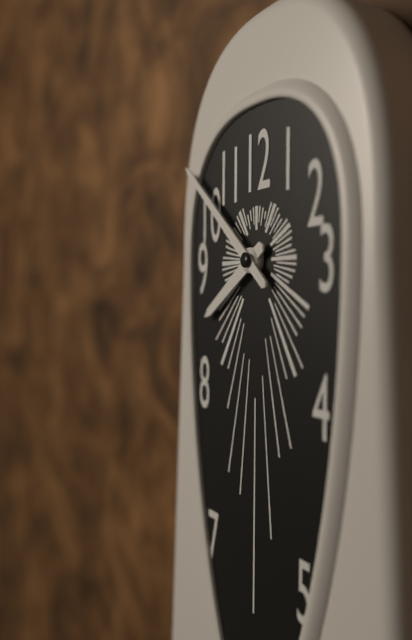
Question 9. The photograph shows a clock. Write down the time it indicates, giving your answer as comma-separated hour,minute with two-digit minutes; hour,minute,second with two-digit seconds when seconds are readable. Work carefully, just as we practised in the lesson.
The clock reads 7,52
